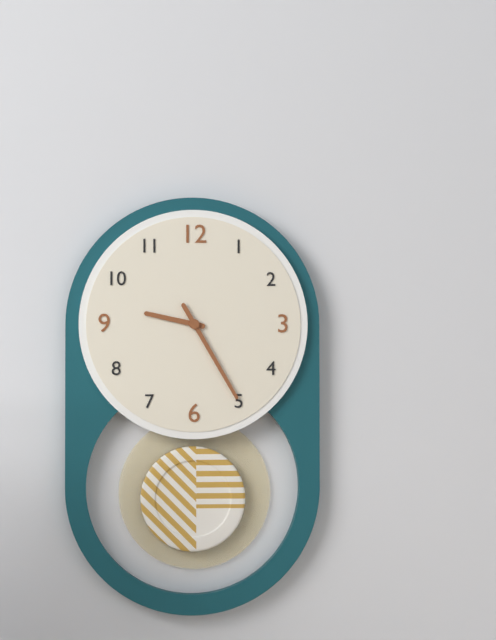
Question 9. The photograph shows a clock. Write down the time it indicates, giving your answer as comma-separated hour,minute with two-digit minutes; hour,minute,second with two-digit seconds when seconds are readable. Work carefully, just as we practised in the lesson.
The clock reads 9,25
